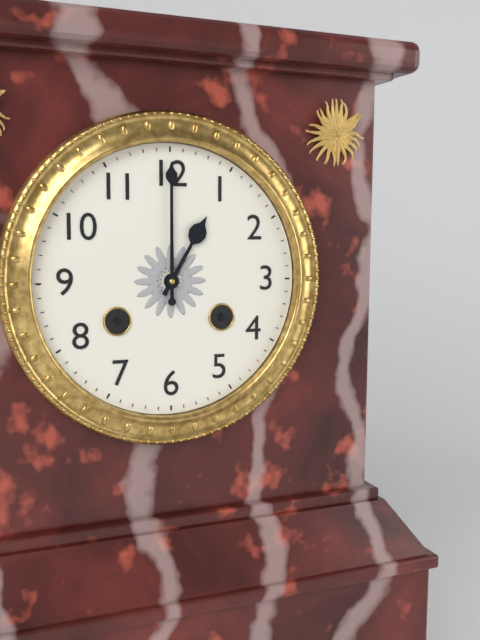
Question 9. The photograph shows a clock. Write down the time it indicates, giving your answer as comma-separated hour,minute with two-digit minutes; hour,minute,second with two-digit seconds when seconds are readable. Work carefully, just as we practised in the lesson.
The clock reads 1,00
